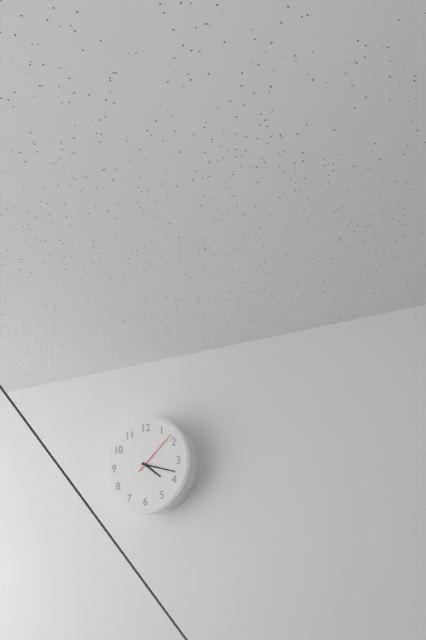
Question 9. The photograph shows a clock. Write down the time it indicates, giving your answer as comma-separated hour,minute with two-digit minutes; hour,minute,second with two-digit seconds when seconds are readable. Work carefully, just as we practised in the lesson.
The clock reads 4,18
